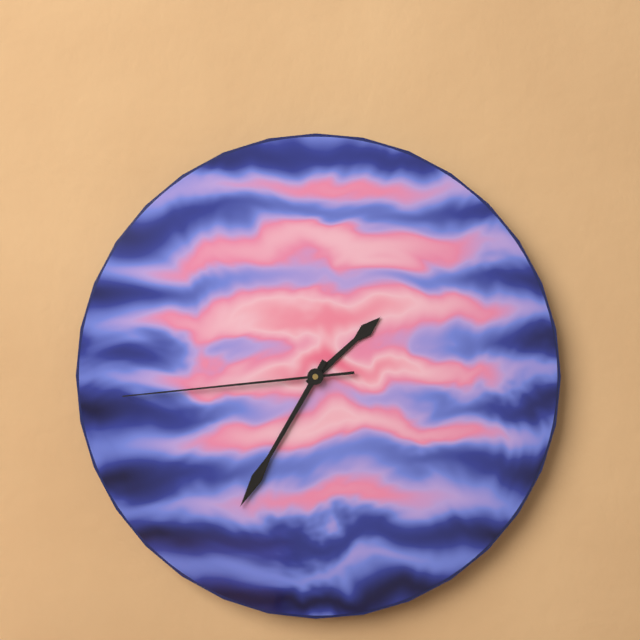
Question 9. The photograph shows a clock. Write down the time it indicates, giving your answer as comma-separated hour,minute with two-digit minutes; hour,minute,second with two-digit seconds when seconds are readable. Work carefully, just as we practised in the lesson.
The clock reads 1,35,44
